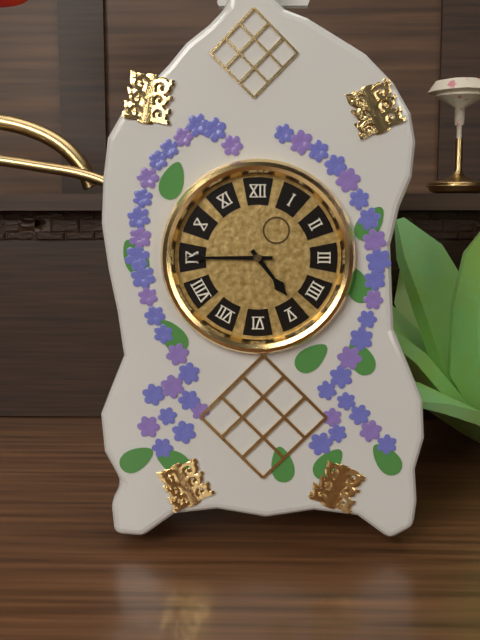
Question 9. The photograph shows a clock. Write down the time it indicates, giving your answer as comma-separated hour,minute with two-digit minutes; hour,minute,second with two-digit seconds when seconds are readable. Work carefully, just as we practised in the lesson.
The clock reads 4,45
